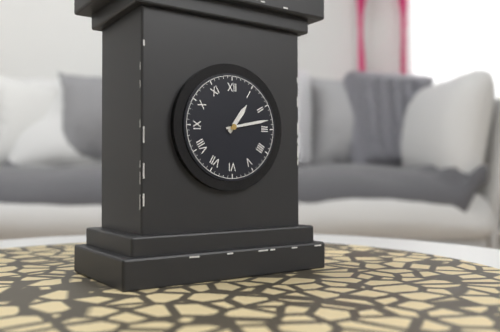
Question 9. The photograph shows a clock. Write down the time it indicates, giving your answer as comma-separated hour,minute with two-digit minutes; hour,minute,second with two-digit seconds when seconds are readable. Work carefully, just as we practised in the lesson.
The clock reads 1,13
